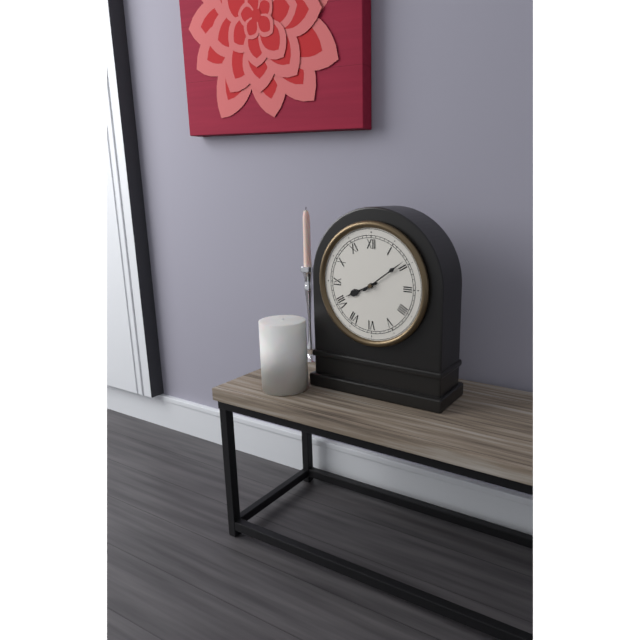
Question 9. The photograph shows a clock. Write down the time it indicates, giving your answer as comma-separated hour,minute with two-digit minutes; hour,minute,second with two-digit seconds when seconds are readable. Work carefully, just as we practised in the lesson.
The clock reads 8,09
